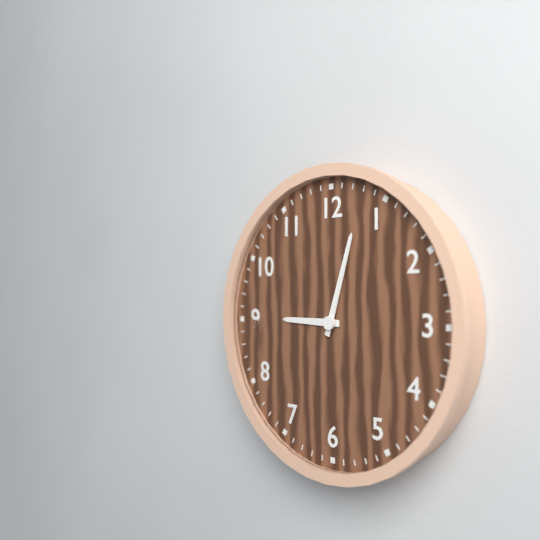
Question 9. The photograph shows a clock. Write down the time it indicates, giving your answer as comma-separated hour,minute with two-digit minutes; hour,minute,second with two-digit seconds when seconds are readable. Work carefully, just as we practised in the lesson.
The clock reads 9,03
